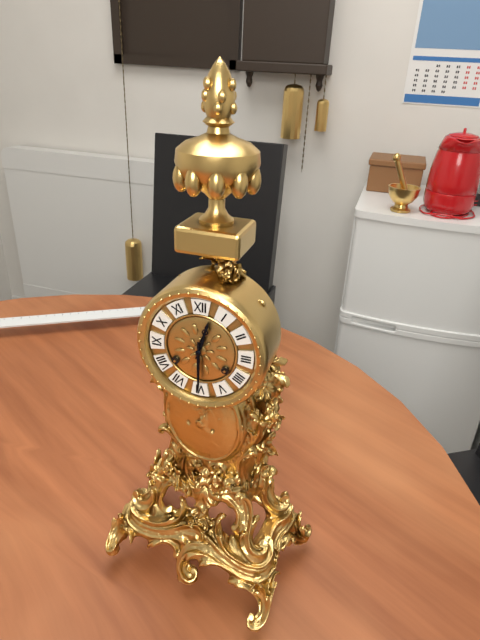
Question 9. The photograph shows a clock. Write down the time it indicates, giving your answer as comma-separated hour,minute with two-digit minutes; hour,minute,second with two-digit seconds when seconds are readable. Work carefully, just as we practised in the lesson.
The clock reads 12,30
